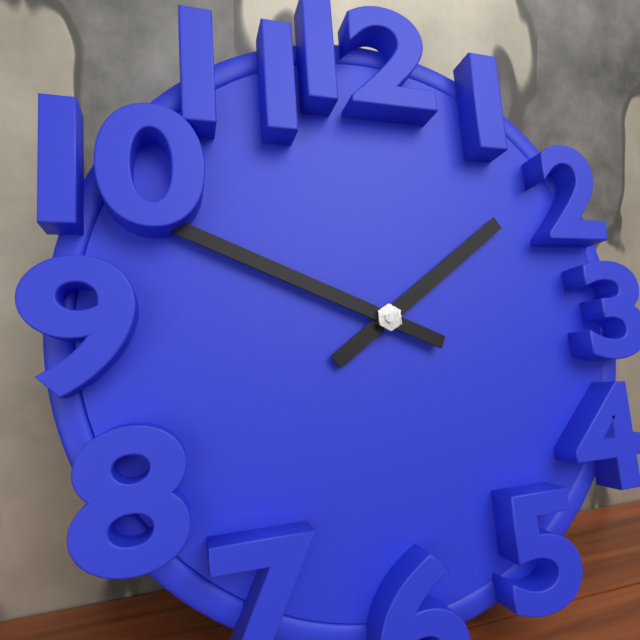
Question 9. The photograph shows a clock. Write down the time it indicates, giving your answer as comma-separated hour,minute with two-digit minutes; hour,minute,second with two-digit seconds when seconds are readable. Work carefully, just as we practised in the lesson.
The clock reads 1,49
